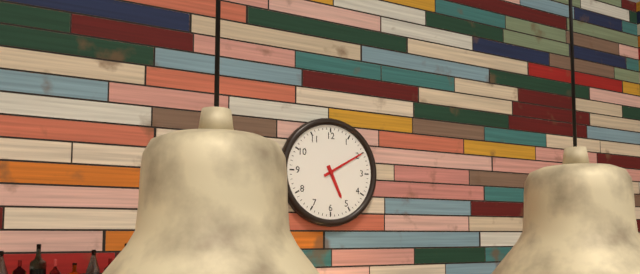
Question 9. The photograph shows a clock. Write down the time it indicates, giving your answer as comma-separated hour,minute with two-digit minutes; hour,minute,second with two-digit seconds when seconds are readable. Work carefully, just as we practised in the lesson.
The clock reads 5,10
